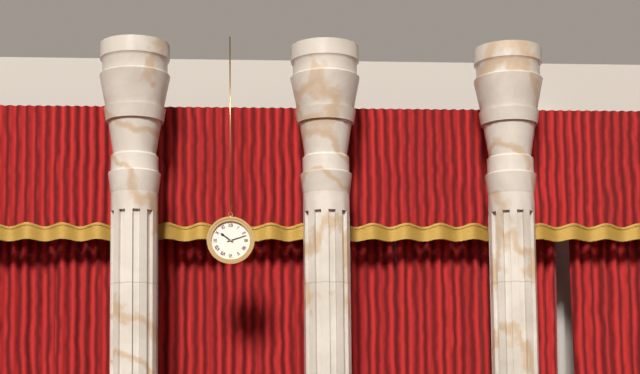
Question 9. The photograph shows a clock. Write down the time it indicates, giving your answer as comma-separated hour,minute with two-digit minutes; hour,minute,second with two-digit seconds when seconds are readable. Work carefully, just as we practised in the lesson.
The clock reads 10,12
